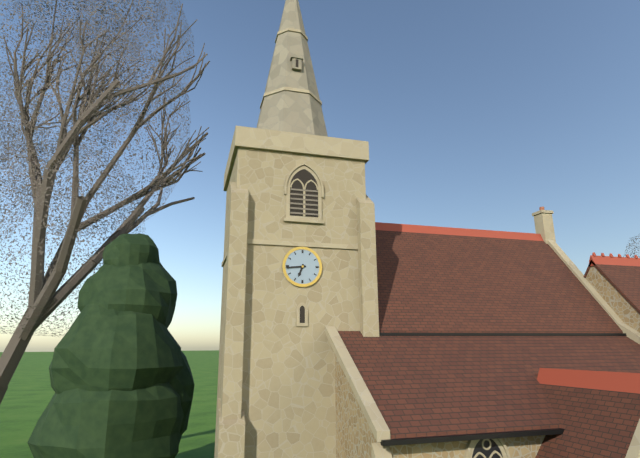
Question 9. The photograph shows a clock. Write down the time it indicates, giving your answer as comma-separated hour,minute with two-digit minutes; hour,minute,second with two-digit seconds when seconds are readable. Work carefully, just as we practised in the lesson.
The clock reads 6,44
